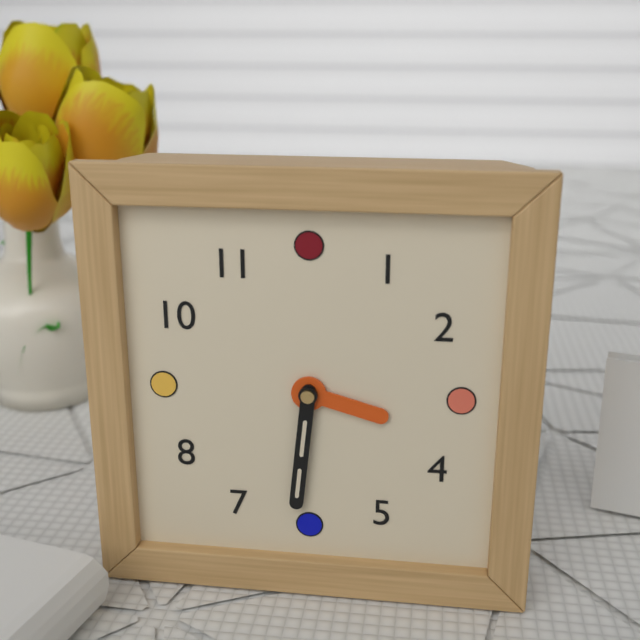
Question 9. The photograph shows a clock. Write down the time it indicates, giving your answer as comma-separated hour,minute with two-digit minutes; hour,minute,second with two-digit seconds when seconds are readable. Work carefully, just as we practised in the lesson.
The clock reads 3,31
